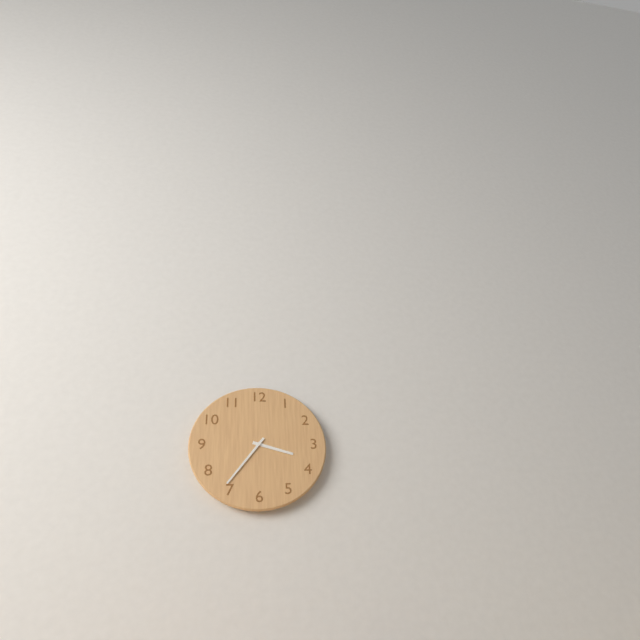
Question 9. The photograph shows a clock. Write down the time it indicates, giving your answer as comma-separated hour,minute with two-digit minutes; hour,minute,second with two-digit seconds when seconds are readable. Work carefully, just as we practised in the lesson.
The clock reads 3,36
